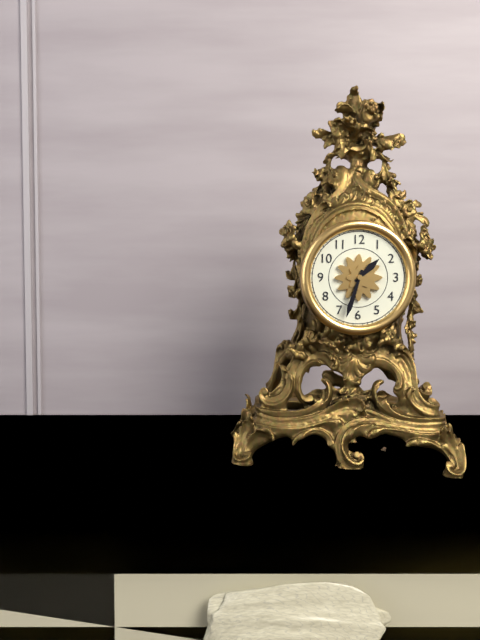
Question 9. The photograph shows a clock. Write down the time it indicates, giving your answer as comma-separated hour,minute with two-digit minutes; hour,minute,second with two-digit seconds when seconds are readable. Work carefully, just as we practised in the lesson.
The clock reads 1,33
